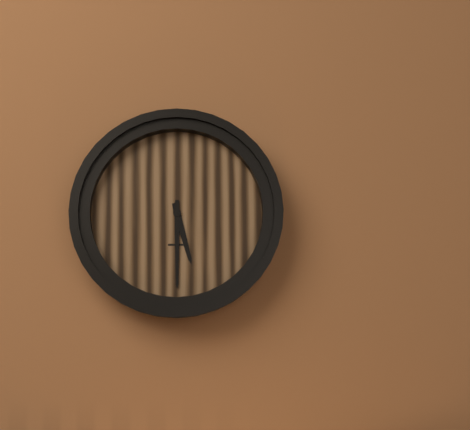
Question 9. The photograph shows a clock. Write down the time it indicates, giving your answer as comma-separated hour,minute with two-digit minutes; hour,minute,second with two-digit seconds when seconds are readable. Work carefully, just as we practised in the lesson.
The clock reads 5,30
